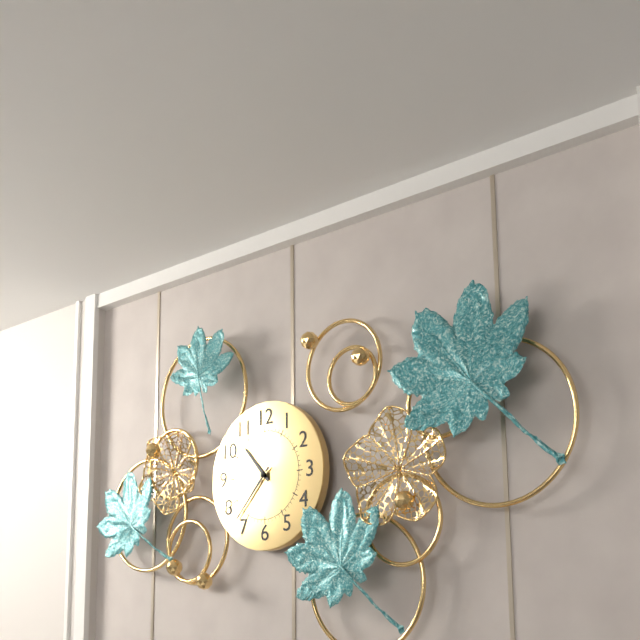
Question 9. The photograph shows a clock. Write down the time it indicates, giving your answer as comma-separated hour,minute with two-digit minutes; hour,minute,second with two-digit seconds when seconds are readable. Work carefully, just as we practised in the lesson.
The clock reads 10,37,40
